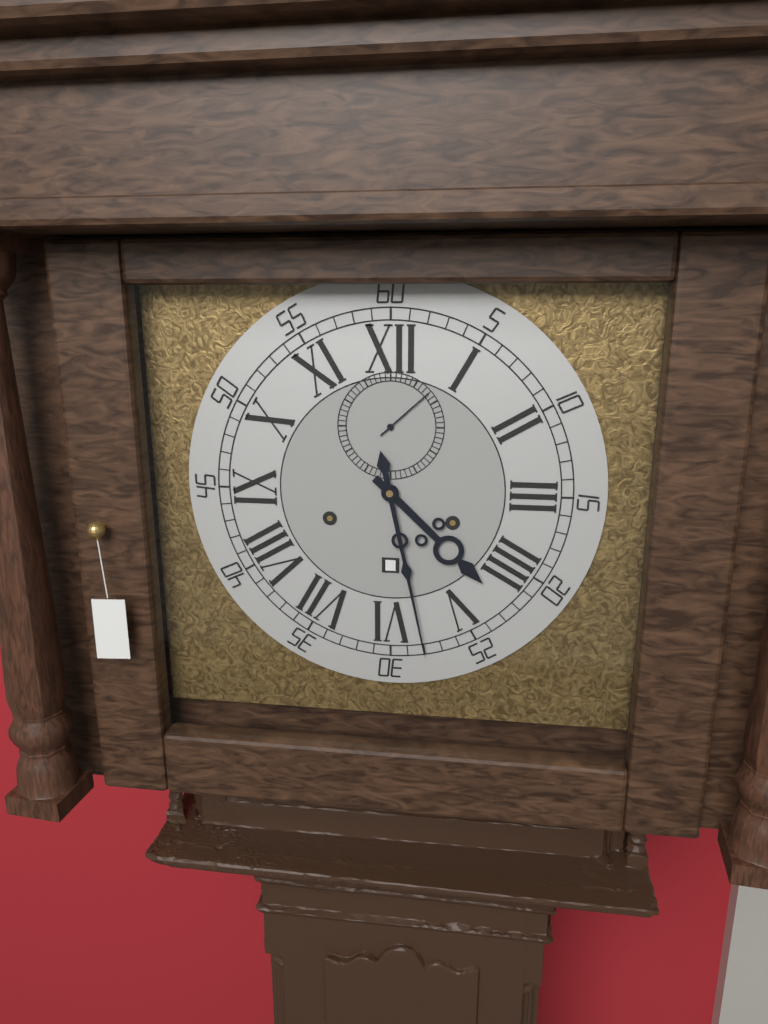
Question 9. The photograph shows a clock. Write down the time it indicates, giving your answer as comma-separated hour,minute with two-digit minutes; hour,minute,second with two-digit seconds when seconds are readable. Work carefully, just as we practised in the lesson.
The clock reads 4,28,08
